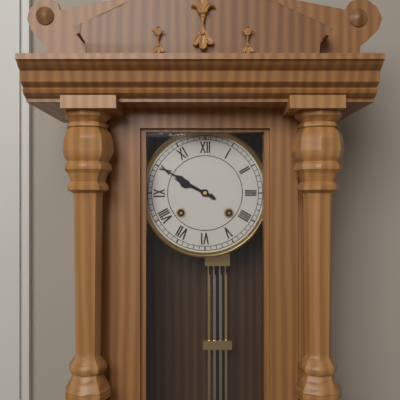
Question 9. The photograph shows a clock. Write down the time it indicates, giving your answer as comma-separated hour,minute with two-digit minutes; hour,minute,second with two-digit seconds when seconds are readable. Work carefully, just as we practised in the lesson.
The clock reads 9,50
